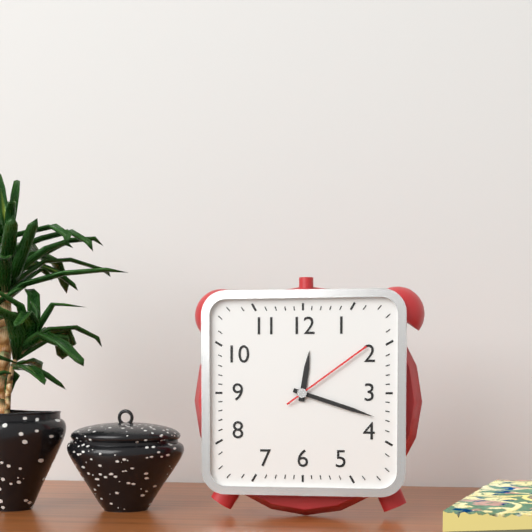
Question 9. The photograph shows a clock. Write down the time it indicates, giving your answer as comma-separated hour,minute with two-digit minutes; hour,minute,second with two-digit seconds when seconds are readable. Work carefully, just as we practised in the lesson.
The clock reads 12,18,09
